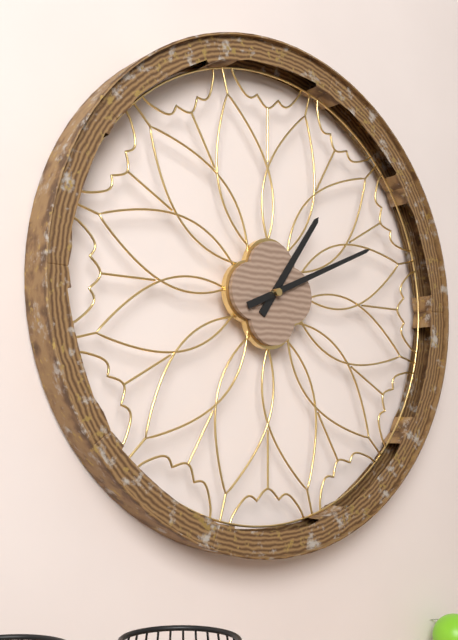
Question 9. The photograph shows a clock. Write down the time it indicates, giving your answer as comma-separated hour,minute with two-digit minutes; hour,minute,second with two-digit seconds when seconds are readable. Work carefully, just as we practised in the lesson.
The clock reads 1,11
